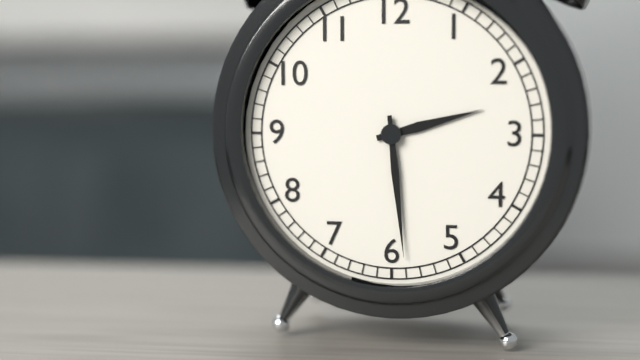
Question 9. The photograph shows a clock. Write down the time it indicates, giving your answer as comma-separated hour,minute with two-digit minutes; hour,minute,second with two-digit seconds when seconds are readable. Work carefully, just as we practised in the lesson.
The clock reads 2,29
